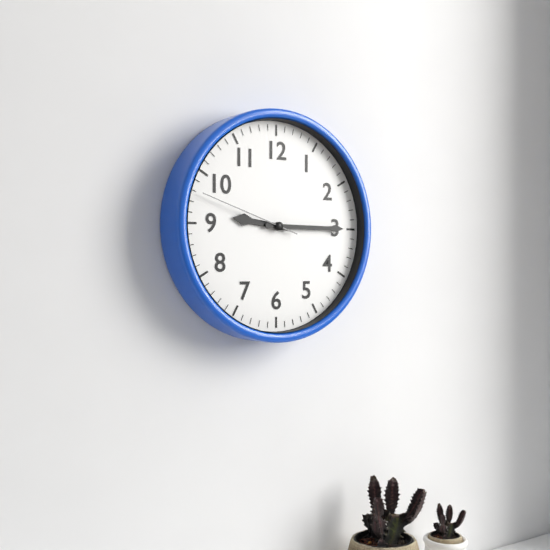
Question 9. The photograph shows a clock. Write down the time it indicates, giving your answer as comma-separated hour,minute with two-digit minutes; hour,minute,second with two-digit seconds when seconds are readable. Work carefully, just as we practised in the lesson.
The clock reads 9,15,48
